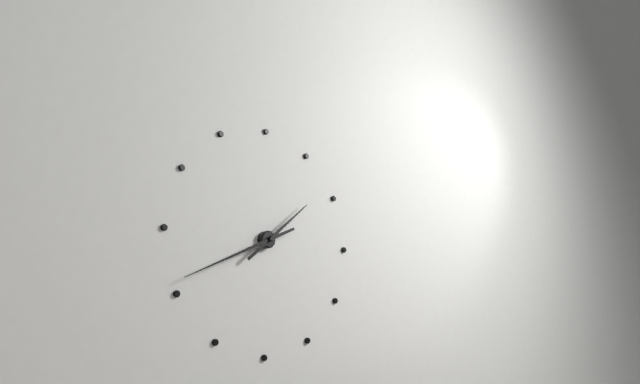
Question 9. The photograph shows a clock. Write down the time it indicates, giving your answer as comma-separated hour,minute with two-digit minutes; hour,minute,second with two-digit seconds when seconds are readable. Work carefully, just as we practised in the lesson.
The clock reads 1,41
